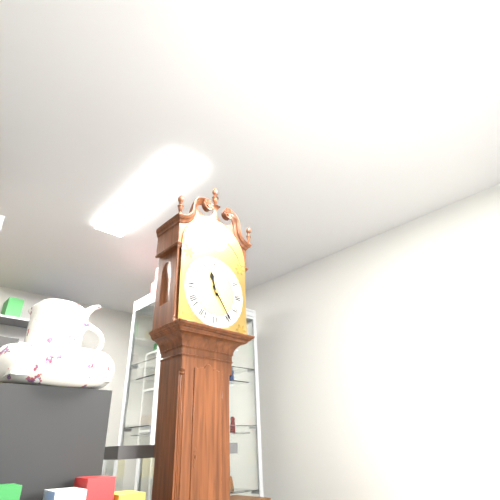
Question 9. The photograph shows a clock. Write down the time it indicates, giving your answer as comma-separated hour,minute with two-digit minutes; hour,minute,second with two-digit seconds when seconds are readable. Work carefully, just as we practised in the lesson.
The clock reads 11,24
